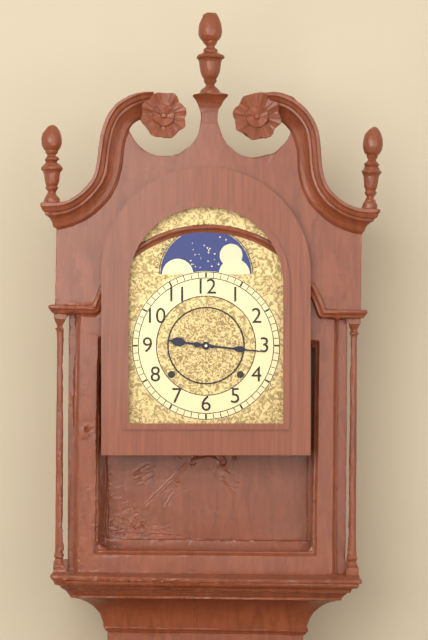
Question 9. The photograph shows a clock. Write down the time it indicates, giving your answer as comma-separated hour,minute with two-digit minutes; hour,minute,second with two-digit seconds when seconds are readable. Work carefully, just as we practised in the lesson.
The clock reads 9,16
